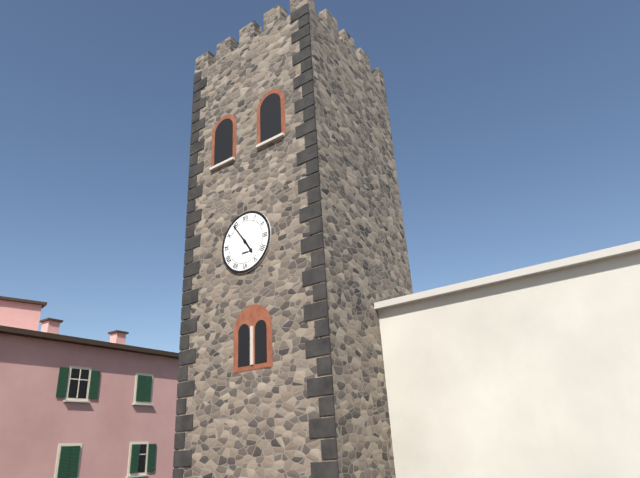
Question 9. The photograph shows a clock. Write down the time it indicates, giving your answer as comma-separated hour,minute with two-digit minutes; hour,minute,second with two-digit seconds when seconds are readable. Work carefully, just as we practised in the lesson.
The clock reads 4,54
